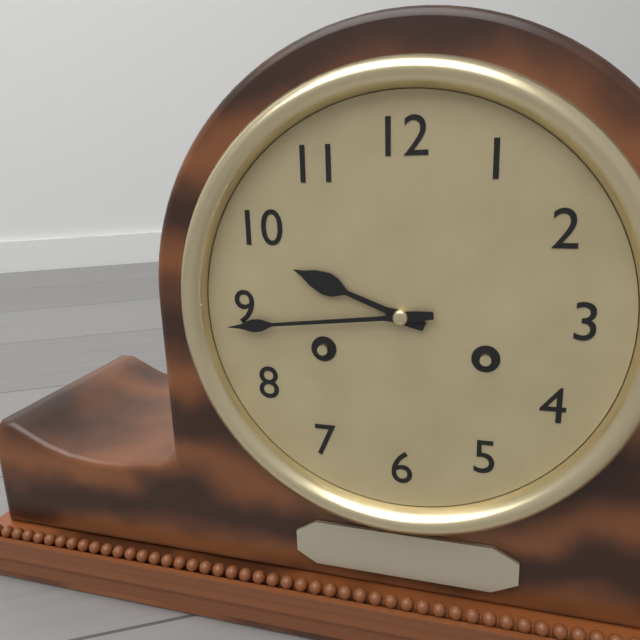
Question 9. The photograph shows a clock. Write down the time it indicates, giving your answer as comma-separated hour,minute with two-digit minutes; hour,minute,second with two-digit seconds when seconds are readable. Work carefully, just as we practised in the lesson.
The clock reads 9,44
